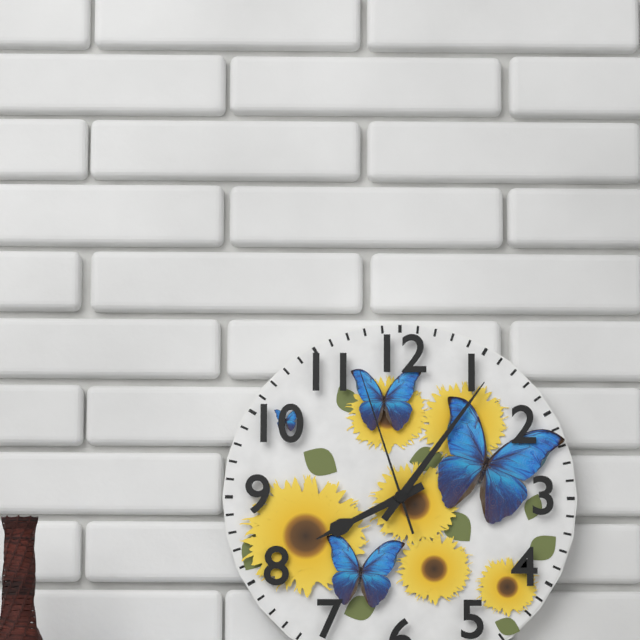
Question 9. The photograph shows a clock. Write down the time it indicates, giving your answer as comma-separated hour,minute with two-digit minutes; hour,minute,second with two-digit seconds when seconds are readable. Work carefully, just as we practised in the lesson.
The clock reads 8,06,57
